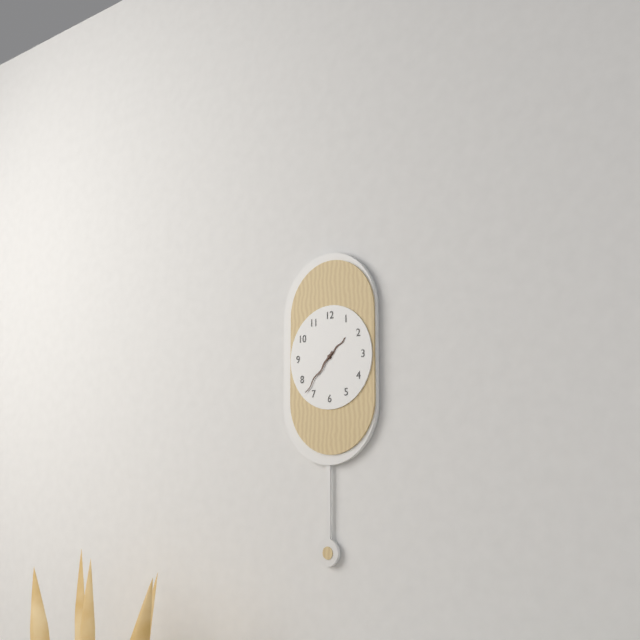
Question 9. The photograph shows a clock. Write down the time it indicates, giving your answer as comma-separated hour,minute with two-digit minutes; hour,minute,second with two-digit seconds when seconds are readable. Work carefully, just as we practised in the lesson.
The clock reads 1,37
